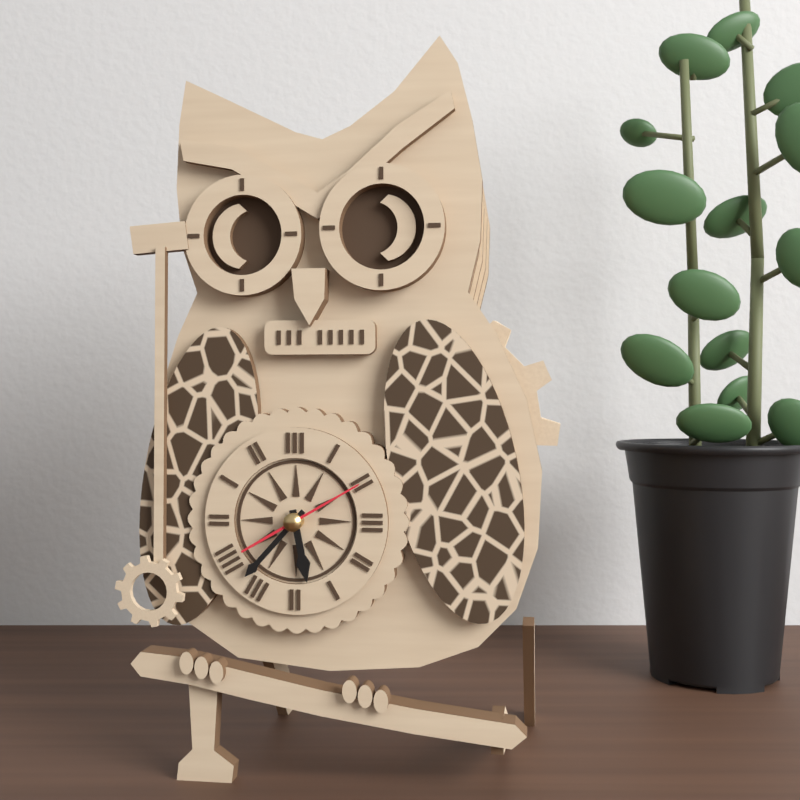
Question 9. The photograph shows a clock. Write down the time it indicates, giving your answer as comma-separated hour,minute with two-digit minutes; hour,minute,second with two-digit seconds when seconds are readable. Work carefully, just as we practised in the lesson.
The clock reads 5,37,10
